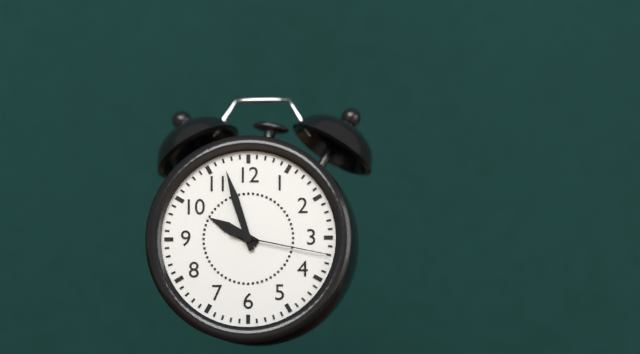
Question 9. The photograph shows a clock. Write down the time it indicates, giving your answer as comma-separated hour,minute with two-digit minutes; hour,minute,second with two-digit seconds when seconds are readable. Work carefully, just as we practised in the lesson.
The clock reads 9,57,17
